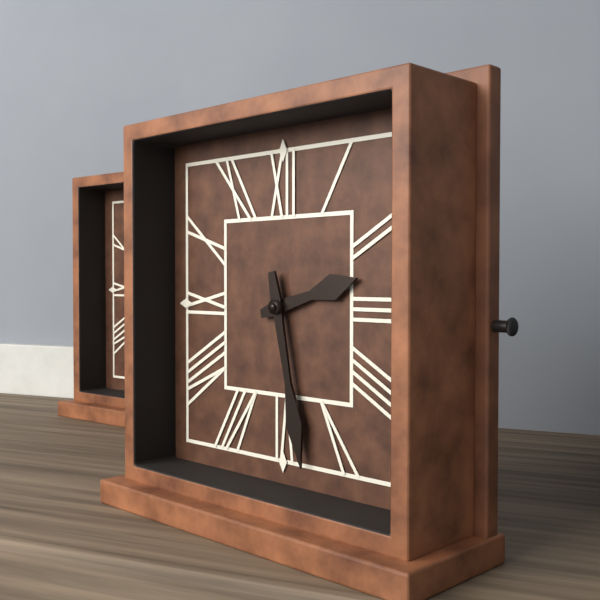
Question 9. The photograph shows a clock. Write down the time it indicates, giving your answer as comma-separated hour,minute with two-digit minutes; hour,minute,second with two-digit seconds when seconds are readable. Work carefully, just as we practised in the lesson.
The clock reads 2,28
